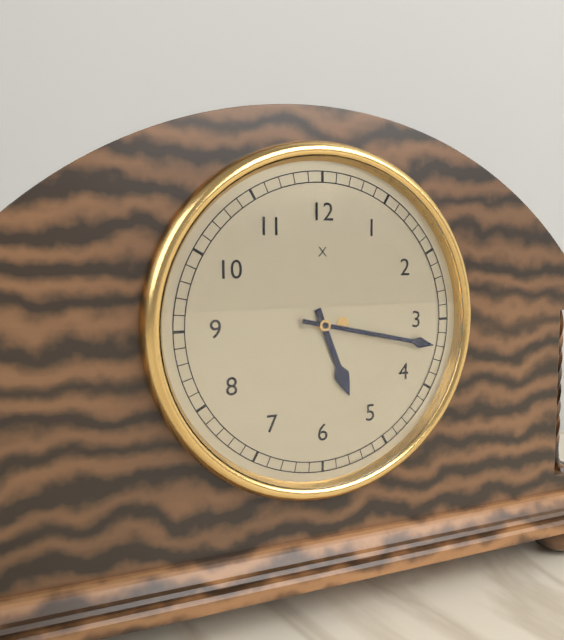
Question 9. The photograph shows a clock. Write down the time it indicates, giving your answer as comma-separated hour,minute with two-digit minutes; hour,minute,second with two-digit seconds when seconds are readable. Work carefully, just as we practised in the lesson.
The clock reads 5,17
